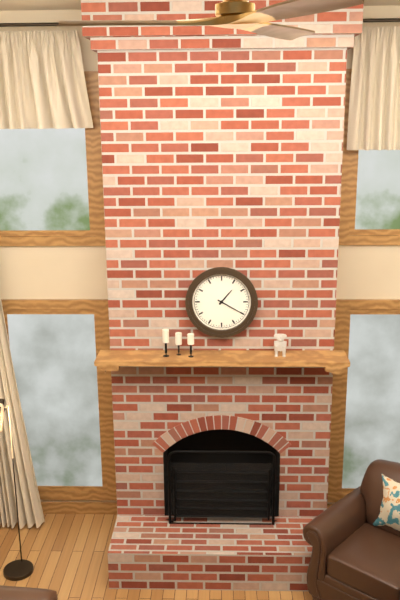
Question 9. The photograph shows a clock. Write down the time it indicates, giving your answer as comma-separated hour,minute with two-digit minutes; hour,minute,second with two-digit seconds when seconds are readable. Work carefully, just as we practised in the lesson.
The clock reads 1,20
